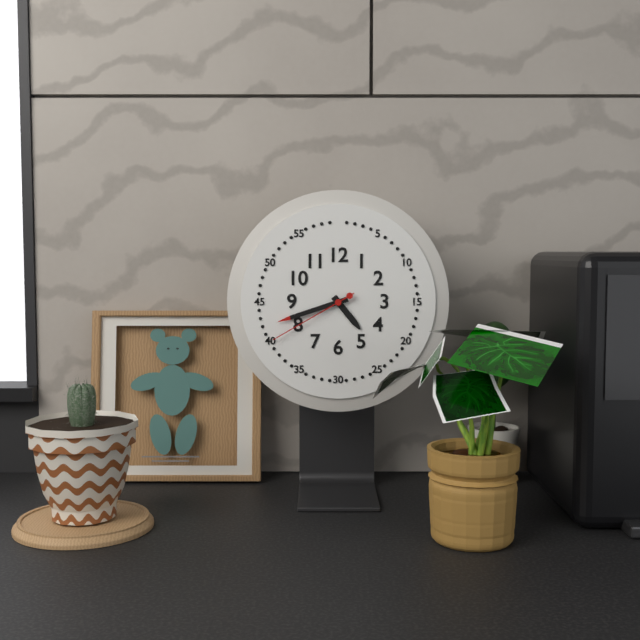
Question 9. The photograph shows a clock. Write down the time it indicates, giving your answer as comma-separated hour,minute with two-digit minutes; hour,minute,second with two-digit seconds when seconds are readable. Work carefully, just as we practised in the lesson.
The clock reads 4,42,40
